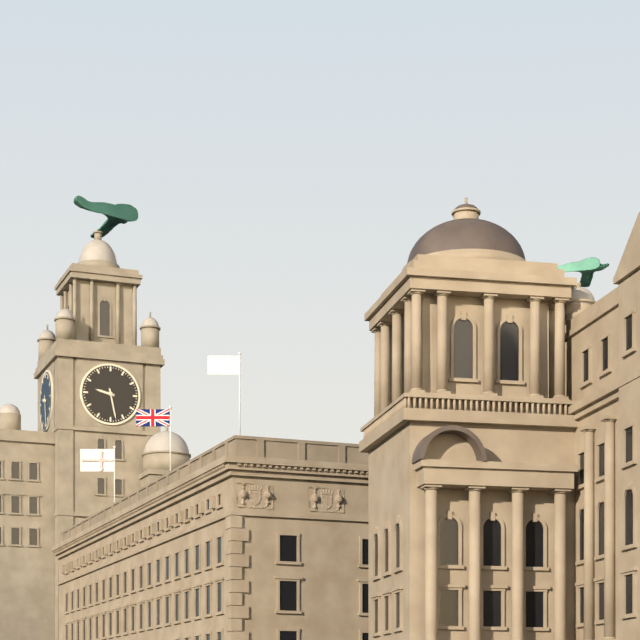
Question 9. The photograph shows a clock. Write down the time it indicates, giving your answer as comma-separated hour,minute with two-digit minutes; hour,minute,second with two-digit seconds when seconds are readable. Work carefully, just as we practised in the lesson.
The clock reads 9,28
